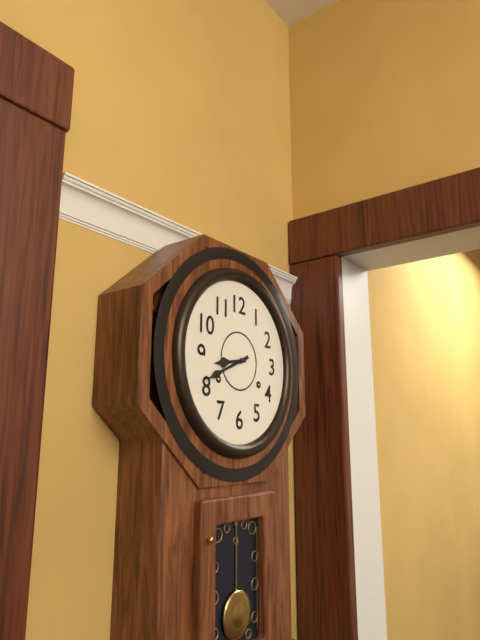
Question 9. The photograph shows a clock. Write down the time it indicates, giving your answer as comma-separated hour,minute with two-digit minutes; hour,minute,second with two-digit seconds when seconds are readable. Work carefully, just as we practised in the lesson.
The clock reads 8,41
